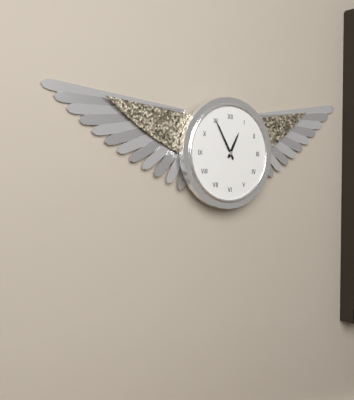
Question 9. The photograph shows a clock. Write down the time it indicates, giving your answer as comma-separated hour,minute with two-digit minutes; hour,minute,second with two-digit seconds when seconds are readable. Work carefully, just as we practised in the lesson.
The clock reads 12,55
